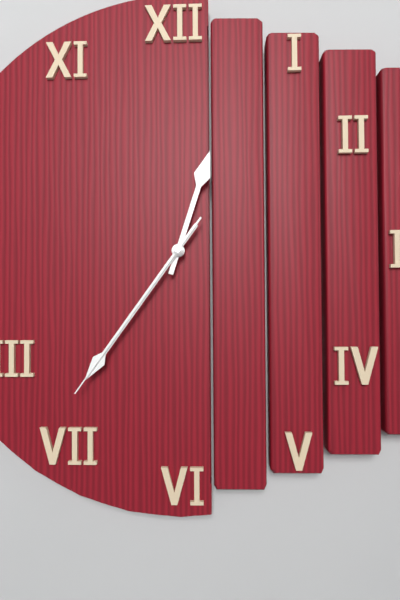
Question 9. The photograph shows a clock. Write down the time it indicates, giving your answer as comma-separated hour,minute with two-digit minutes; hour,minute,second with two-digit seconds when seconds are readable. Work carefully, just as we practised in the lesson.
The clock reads 12,36,36
